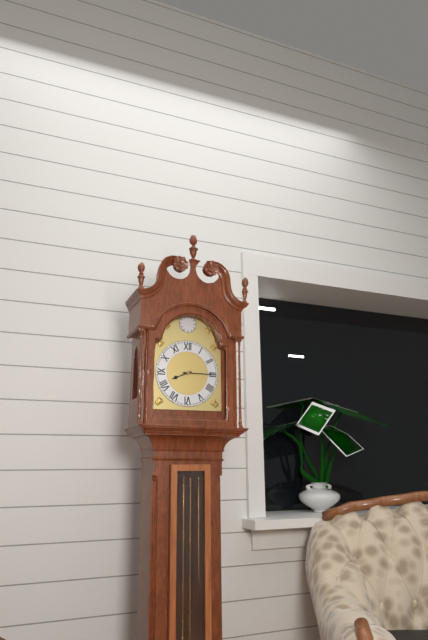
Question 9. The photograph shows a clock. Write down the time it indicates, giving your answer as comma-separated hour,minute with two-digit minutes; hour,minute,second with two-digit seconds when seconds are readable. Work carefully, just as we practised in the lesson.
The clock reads 8,15
